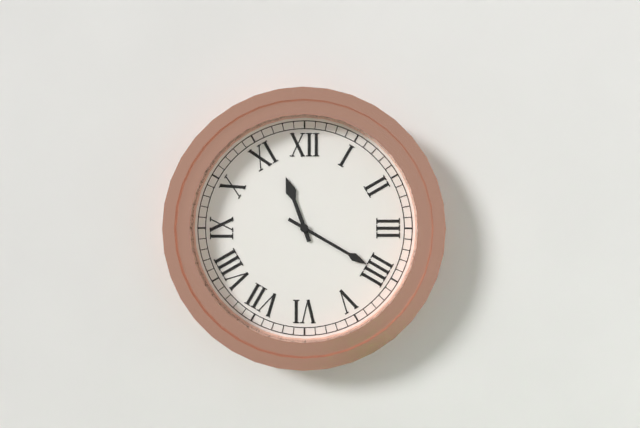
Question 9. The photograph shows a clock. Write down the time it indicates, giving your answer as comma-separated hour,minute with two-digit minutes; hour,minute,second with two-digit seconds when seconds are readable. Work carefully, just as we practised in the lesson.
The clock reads 11,20
